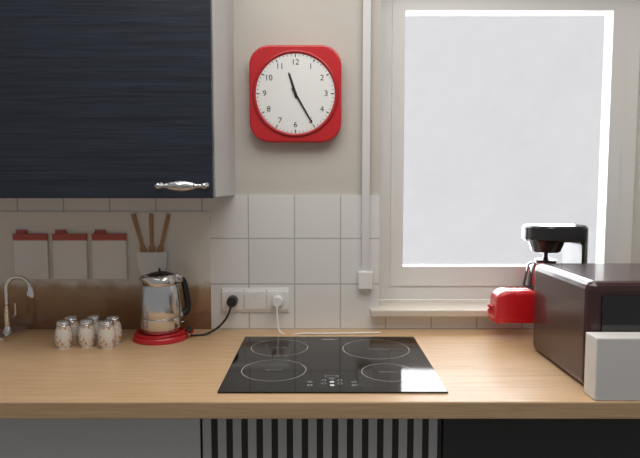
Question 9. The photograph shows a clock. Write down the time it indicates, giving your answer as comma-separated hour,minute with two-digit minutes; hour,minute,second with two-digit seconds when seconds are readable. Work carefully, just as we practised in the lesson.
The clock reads 11,25
